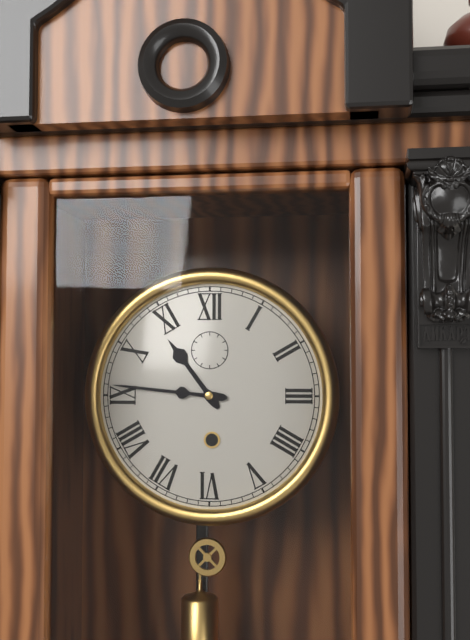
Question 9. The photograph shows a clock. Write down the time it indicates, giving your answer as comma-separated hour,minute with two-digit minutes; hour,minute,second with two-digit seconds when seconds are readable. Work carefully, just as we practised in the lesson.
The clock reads 10,46
